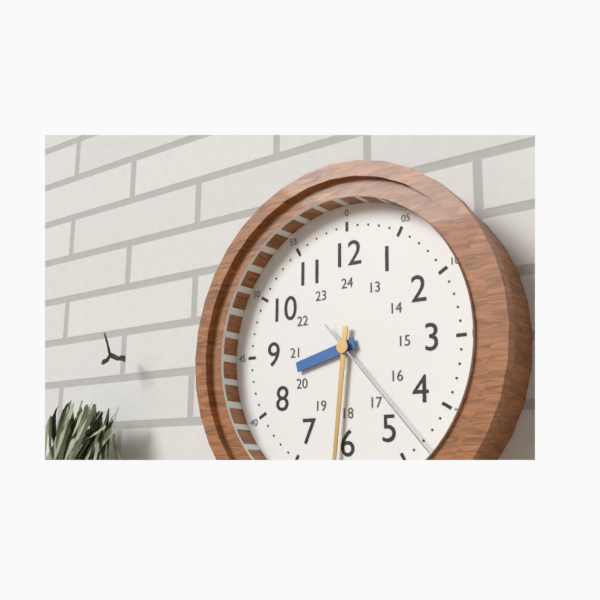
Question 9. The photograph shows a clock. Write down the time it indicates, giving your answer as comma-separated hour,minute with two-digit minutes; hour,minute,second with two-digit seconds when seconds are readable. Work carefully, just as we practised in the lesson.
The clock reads 8,31,23
